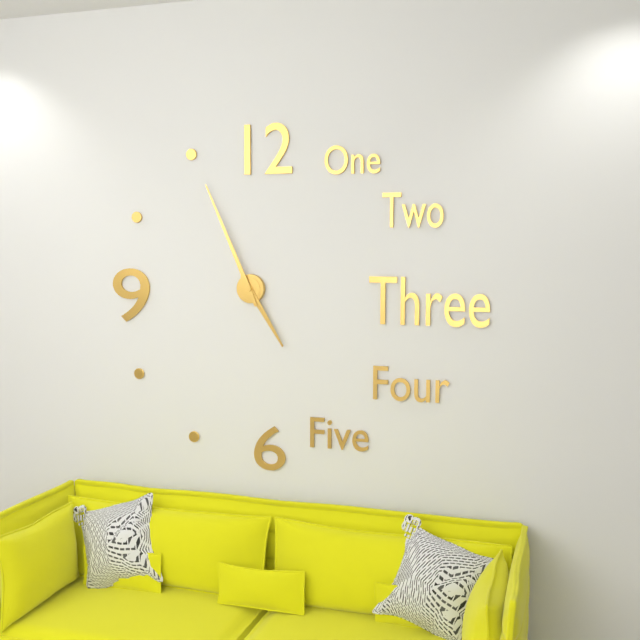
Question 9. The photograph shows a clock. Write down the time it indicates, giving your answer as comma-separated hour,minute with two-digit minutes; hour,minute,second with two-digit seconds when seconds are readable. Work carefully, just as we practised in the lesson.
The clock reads 4,56
